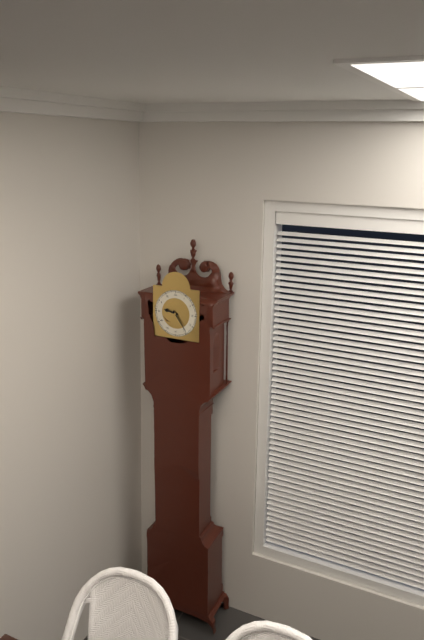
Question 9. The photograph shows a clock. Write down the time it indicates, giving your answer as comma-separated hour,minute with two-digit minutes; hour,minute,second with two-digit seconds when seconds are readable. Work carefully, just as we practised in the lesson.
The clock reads 9,24
